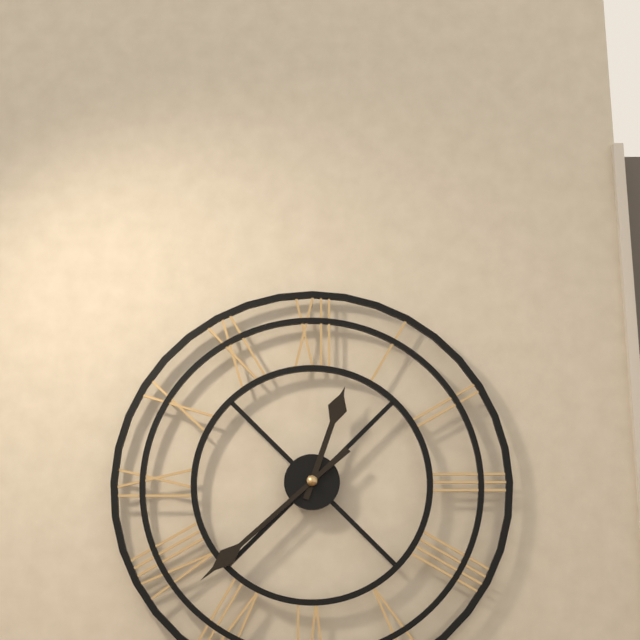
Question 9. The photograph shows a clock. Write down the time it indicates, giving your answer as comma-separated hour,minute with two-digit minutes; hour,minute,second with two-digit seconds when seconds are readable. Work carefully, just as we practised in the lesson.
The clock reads 12,38
